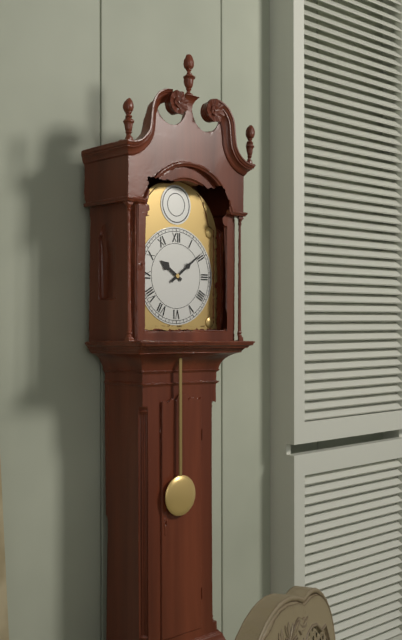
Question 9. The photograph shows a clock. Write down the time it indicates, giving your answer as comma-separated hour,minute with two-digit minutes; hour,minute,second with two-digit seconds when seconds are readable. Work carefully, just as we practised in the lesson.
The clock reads 10,09
